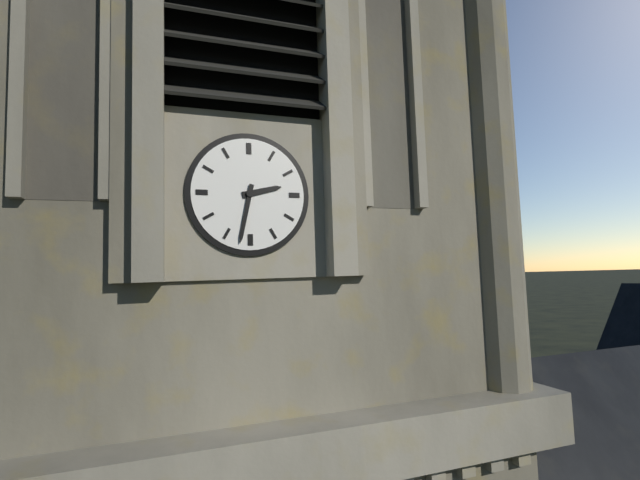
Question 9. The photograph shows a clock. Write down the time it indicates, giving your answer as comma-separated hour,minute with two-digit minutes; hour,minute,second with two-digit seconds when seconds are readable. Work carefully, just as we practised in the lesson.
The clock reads 2,32
